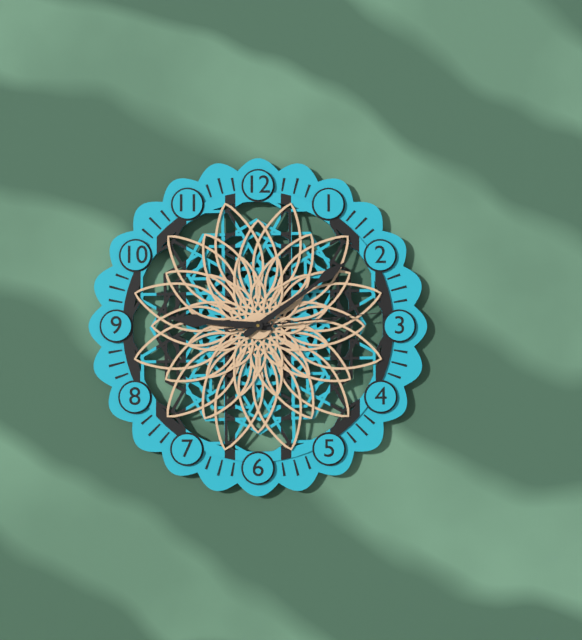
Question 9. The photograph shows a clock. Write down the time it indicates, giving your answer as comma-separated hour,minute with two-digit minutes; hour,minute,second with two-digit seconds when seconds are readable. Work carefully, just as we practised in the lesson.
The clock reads 9,09,14
